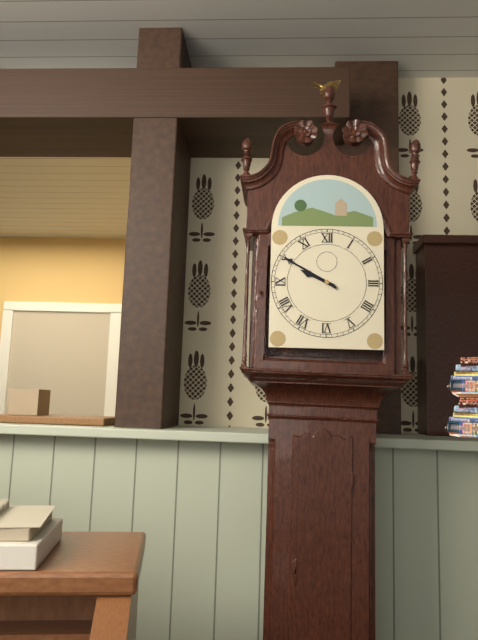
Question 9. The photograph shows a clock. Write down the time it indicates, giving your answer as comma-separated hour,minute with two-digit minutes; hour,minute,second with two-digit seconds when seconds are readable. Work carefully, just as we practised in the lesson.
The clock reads 9,50
